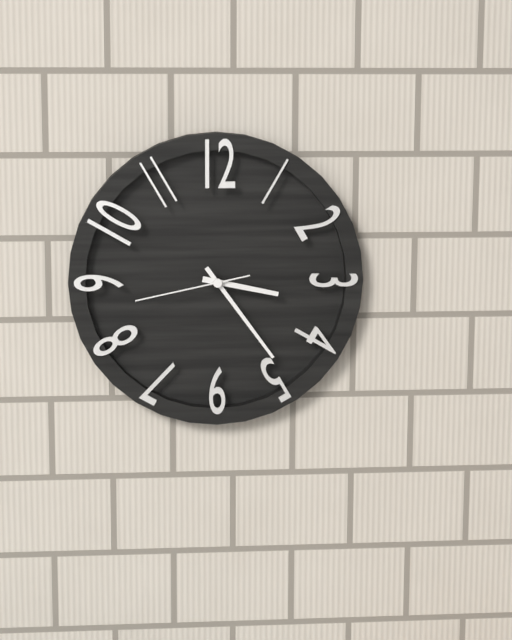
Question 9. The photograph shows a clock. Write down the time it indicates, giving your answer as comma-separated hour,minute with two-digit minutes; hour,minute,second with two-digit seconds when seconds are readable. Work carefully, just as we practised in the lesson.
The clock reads 3,24,43
